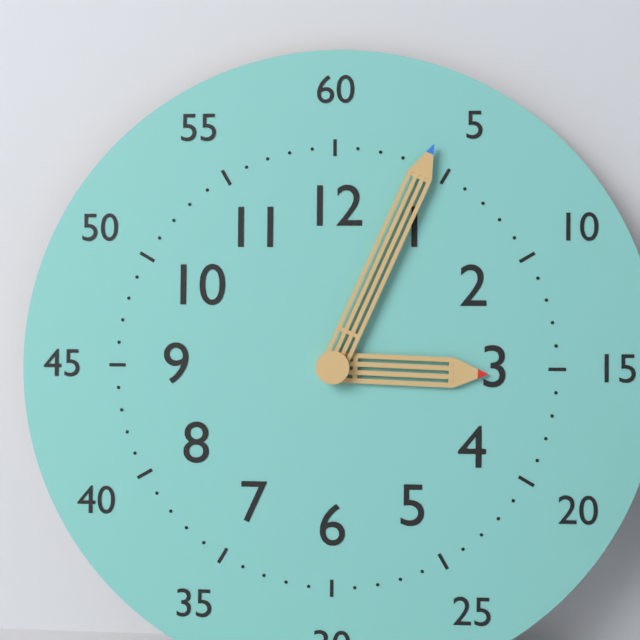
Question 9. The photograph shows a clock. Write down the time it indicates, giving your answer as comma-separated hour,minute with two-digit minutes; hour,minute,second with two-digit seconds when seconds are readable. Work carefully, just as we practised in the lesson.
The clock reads 3,04
